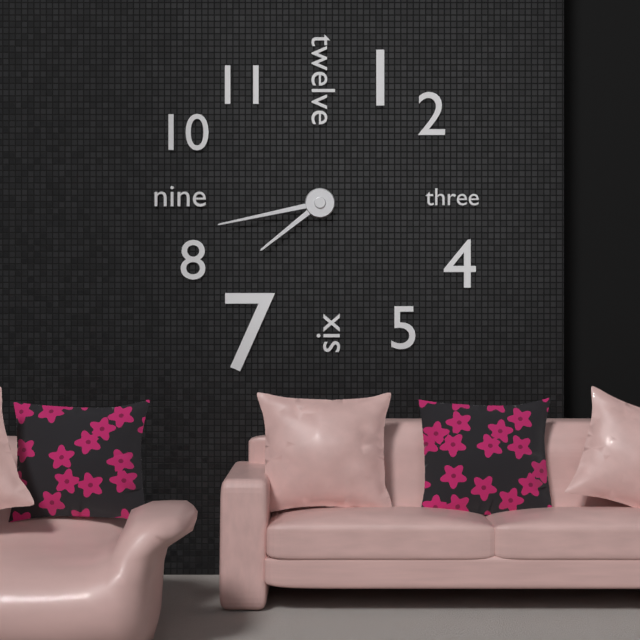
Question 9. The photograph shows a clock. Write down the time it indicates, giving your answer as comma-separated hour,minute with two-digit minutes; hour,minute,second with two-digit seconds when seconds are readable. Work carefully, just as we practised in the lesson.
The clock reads 7,43
